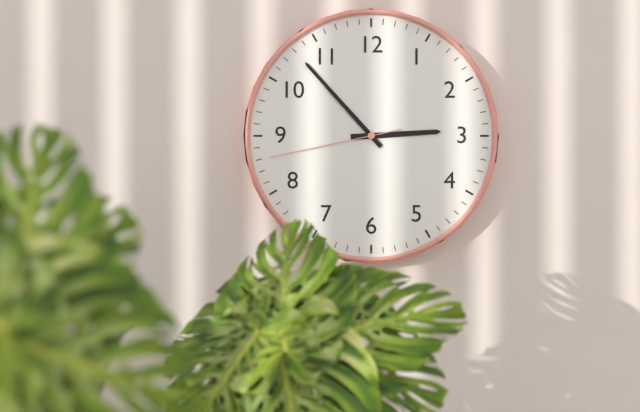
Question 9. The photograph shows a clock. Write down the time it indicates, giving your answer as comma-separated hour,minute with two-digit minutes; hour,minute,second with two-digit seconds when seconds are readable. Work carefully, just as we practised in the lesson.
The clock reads 2,53,43
